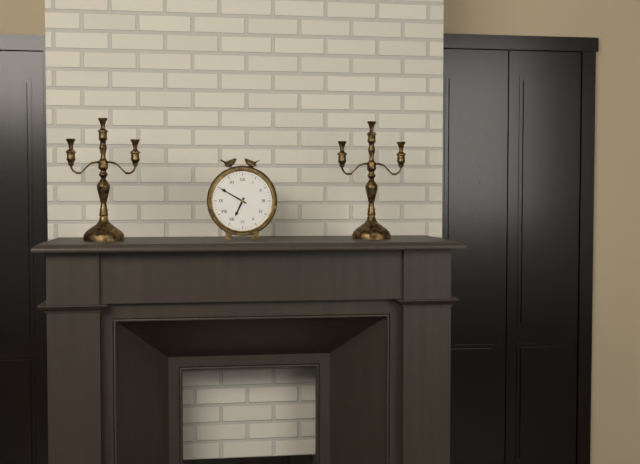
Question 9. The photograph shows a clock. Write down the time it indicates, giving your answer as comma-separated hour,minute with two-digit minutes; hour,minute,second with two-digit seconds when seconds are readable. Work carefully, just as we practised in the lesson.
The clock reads 6,50
